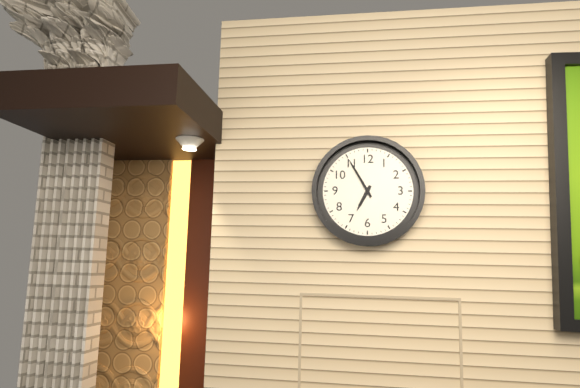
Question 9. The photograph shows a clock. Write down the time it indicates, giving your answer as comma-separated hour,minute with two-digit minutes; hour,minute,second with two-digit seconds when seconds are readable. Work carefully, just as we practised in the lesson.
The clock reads 6,55
